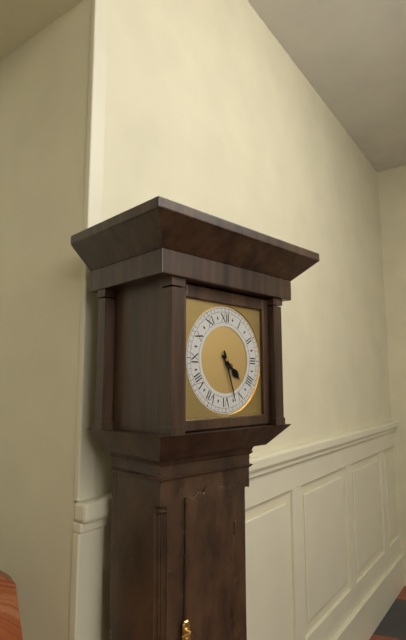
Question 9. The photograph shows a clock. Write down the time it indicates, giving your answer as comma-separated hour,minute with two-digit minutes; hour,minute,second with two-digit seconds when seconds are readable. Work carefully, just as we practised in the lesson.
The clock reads 4,27
